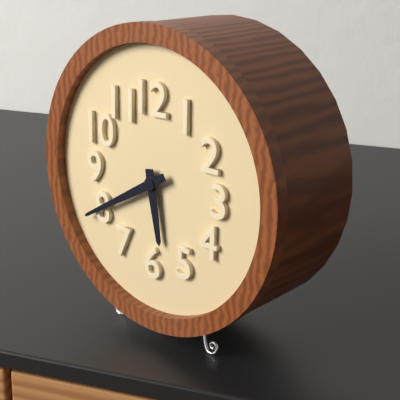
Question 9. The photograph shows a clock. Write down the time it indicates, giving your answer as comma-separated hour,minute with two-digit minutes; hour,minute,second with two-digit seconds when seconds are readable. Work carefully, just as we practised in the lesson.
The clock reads 5,40
